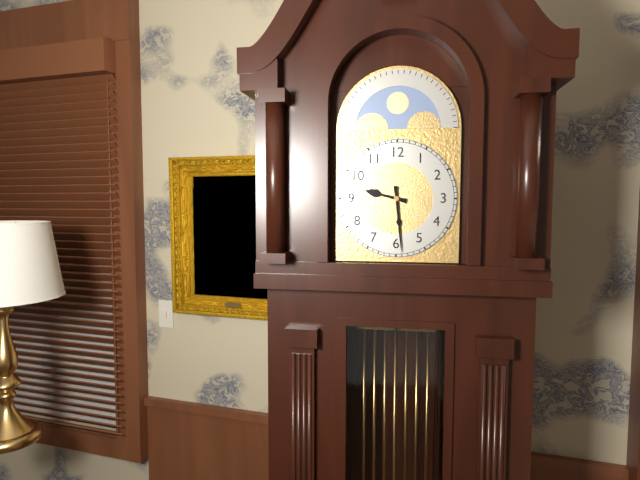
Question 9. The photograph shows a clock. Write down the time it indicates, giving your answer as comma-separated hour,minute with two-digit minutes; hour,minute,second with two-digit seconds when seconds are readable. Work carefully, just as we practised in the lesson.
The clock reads 9,29
